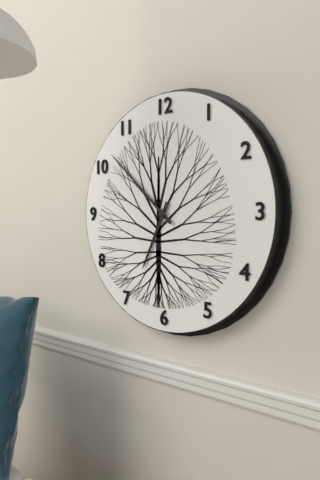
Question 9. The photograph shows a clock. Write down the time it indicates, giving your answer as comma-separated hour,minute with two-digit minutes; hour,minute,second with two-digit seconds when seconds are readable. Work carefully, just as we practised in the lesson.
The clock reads 6,52
